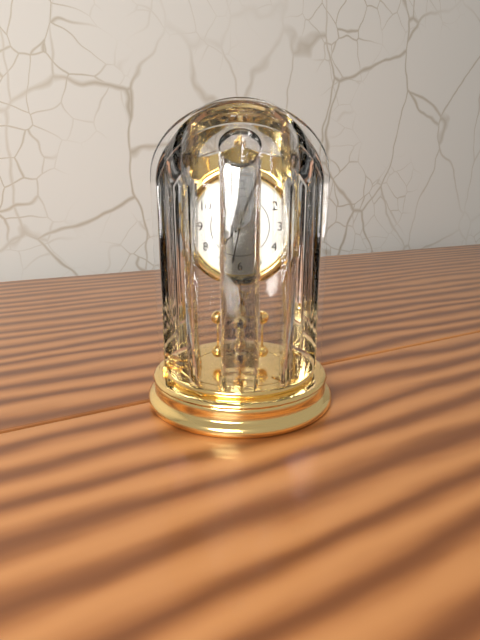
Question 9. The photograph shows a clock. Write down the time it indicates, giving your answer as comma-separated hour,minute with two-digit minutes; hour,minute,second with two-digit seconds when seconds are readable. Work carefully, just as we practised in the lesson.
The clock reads 7,32
